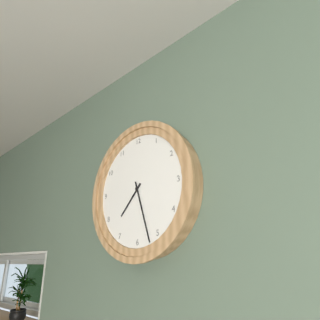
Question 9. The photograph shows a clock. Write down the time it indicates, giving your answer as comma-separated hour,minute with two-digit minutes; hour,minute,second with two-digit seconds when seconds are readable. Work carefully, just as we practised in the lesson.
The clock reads 7,27
